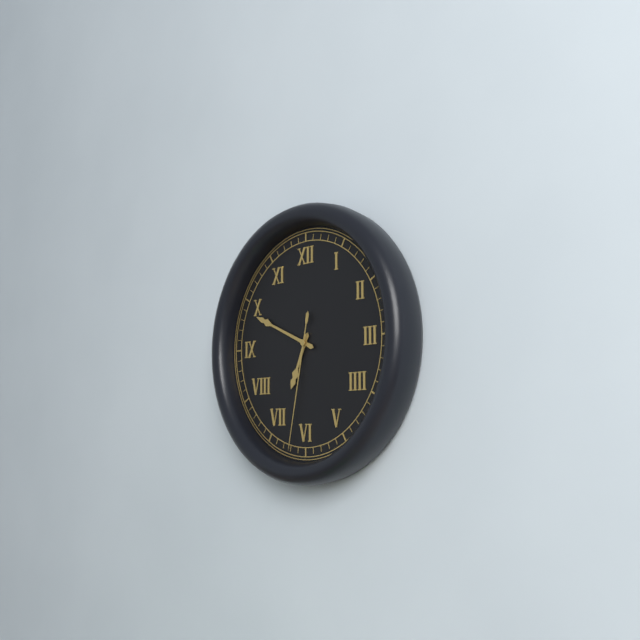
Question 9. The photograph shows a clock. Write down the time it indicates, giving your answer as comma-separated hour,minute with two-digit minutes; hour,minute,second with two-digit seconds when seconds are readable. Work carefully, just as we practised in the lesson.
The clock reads 6,49,32
